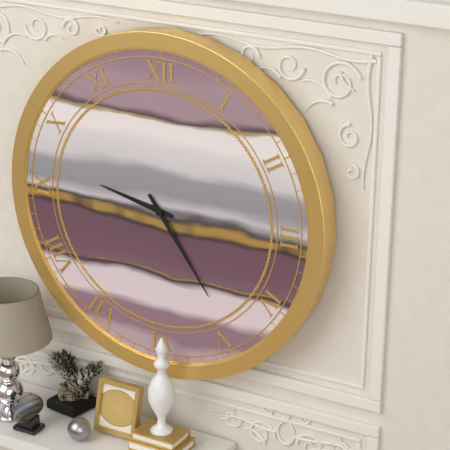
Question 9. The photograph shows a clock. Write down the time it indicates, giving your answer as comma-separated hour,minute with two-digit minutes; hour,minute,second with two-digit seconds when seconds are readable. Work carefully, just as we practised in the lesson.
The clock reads 9,24
